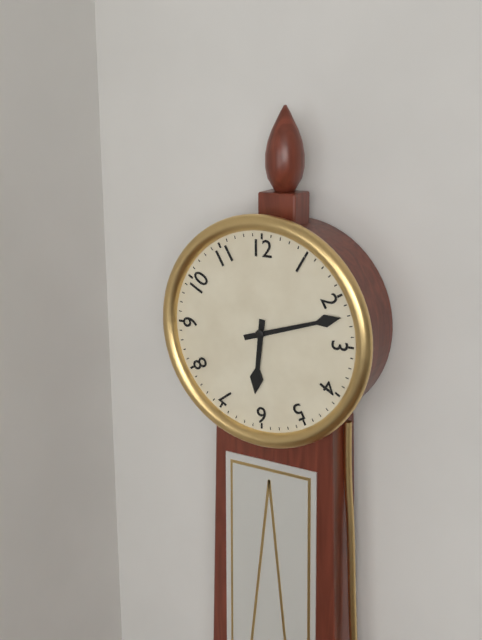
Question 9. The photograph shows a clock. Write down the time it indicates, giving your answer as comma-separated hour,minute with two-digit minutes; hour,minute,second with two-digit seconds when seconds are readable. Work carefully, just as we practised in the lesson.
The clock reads 6,12
